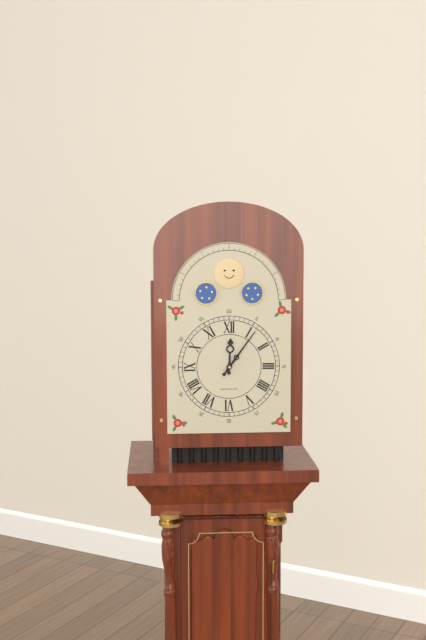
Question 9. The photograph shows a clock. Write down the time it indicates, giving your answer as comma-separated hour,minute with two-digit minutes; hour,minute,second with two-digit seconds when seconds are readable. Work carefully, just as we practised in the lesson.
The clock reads 12,06
